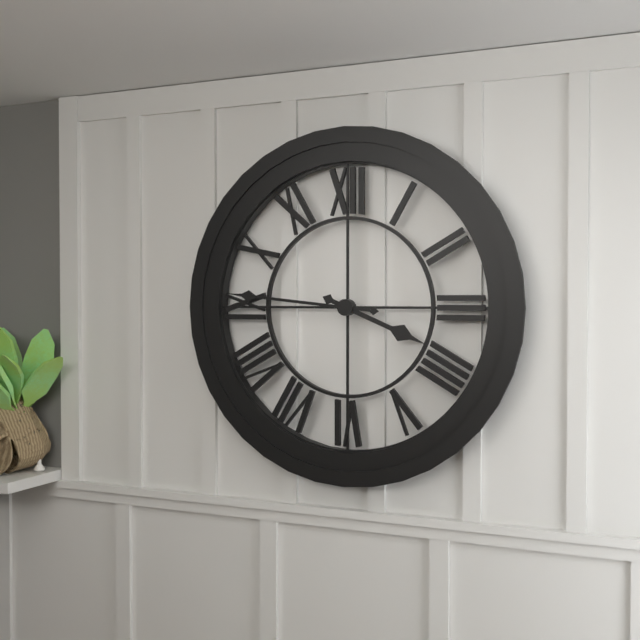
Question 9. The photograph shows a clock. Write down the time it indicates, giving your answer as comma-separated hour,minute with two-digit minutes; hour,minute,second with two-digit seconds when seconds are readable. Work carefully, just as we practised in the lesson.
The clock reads 3,46
